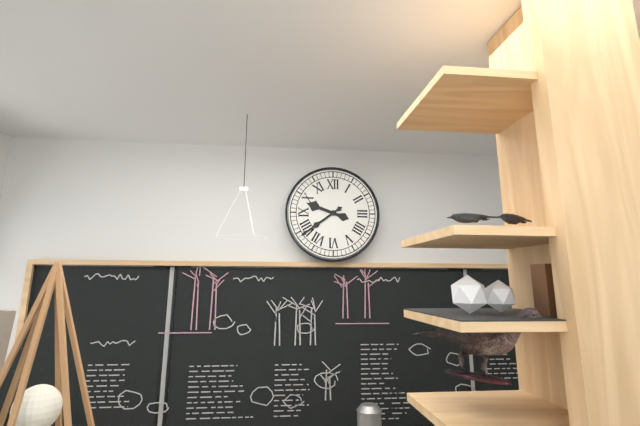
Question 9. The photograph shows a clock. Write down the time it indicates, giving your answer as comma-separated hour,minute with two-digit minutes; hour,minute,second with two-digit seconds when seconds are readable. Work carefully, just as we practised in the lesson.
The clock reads 9,39
